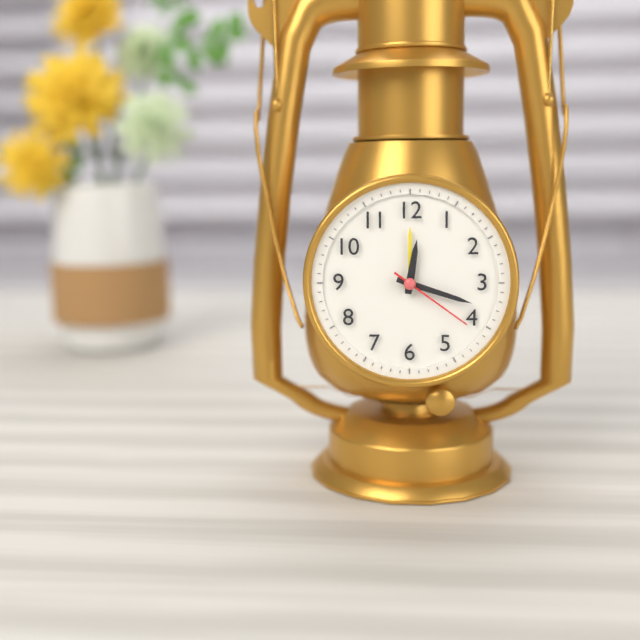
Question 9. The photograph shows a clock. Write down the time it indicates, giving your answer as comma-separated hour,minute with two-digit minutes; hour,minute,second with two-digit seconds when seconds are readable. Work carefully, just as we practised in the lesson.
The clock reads 12,18,21
